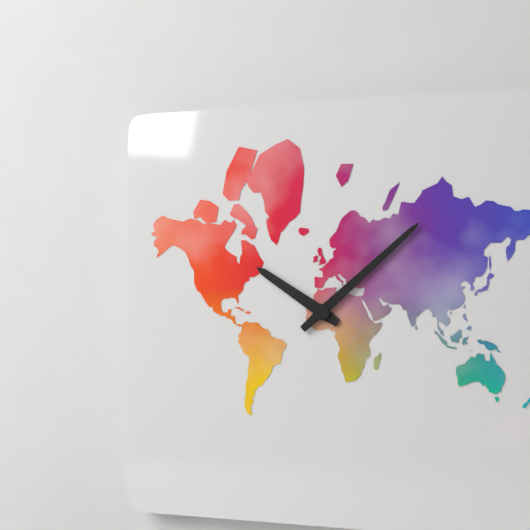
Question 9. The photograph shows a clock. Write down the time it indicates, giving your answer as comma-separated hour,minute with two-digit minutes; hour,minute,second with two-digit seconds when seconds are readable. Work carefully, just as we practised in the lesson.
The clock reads 10,08
